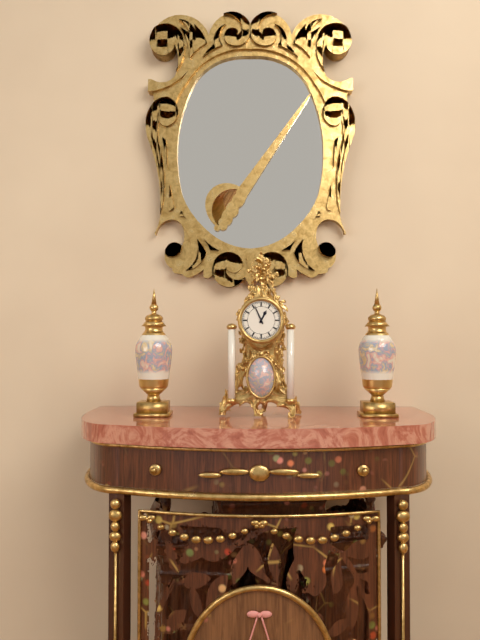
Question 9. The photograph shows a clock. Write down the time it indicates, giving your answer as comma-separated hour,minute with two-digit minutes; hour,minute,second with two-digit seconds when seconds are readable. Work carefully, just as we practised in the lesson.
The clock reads 12,56
